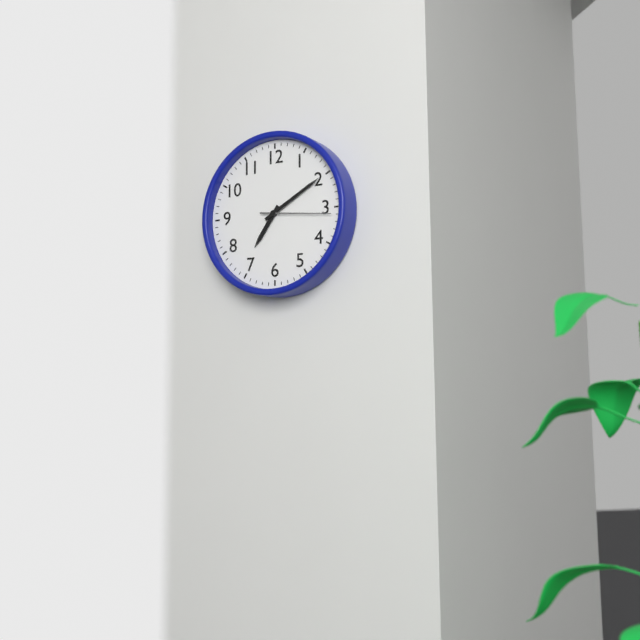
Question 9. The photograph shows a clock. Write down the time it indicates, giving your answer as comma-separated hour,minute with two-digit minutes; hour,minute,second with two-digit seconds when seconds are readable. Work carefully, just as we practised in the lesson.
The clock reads 7,10,16
